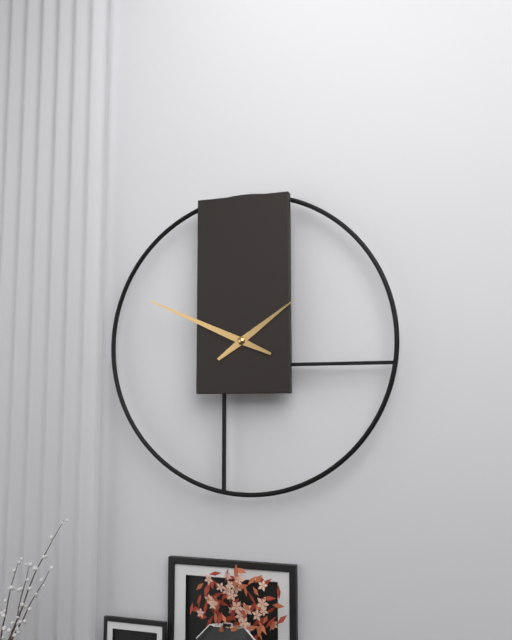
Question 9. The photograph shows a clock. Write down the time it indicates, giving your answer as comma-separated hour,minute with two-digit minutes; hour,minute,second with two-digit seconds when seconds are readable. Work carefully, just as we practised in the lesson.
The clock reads 1,49
